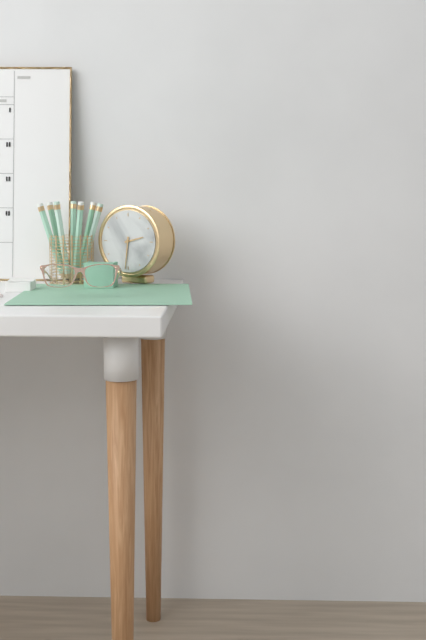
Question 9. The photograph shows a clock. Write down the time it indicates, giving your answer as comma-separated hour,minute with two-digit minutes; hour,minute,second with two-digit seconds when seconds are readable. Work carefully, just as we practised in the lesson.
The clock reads 2,31
